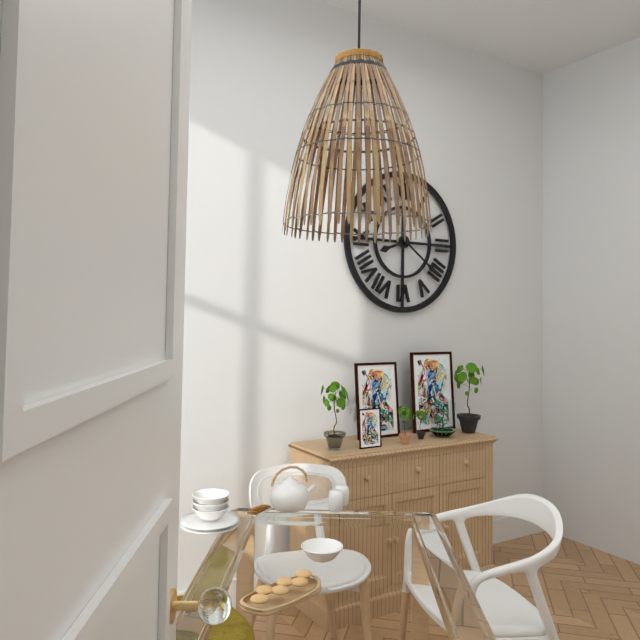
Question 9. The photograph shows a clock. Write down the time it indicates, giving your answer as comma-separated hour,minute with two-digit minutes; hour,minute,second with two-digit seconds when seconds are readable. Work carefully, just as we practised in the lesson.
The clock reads 8,21
